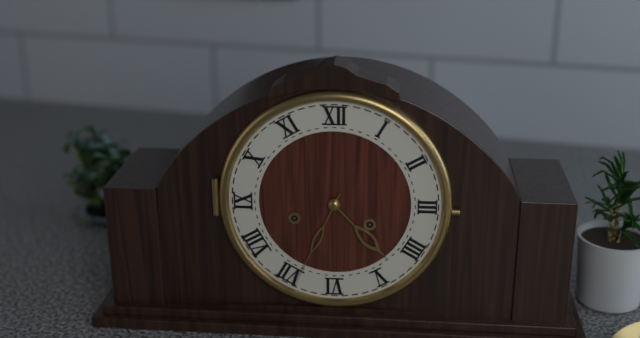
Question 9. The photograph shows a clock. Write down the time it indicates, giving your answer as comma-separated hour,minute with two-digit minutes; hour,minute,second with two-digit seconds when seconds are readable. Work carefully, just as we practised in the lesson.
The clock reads 4,34
